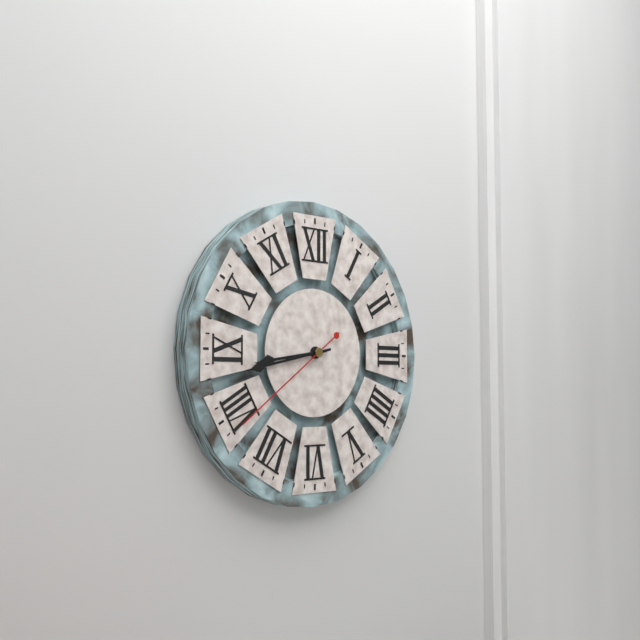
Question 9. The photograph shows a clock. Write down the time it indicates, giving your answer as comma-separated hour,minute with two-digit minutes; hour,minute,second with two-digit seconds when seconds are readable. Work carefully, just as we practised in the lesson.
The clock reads 8,43,39
